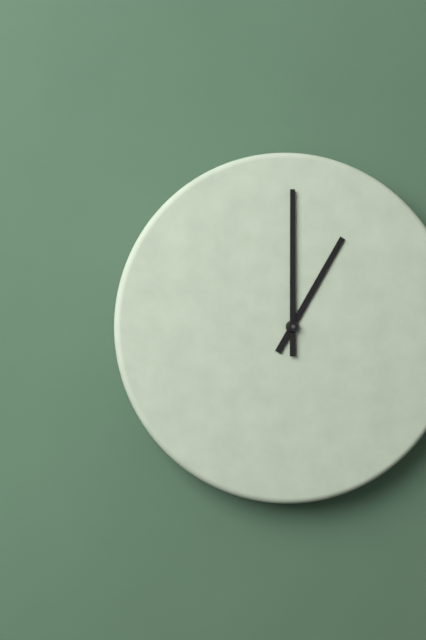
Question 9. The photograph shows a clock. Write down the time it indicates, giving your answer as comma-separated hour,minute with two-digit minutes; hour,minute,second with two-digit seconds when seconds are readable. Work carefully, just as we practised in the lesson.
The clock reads 1,00
